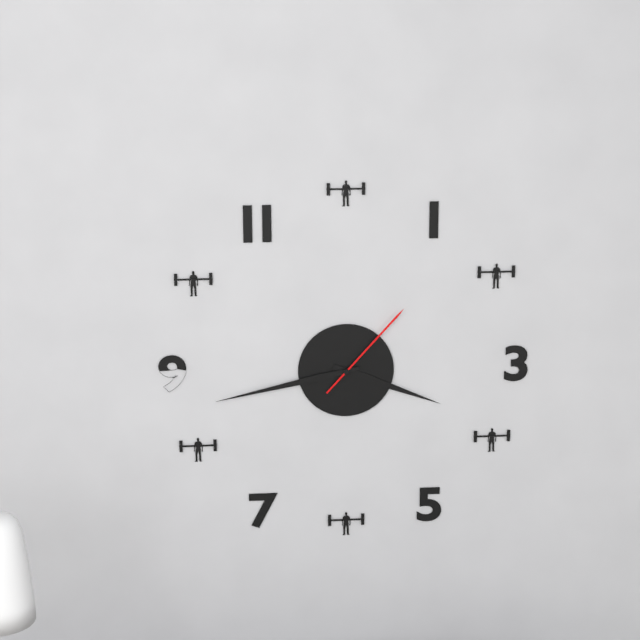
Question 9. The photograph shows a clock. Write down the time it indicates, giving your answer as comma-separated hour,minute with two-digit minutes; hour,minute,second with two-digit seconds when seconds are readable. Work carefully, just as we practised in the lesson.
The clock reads 3,43,07
